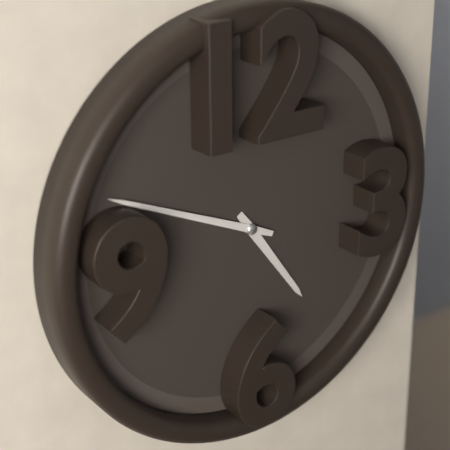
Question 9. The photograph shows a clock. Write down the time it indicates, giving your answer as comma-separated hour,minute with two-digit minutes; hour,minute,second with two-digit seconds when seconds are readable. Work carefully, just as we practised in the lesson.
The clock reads 4,49
